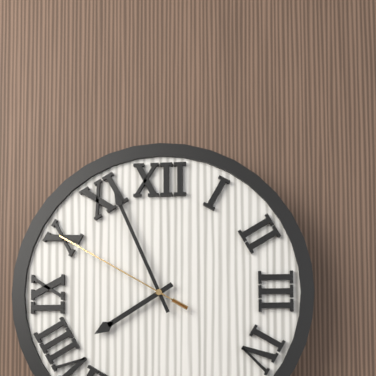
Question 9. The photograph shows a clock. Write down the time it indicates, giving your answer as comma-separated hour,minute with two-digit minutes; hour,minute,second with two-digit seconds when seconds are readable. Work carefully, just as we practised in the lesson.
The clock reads 7,56,50
